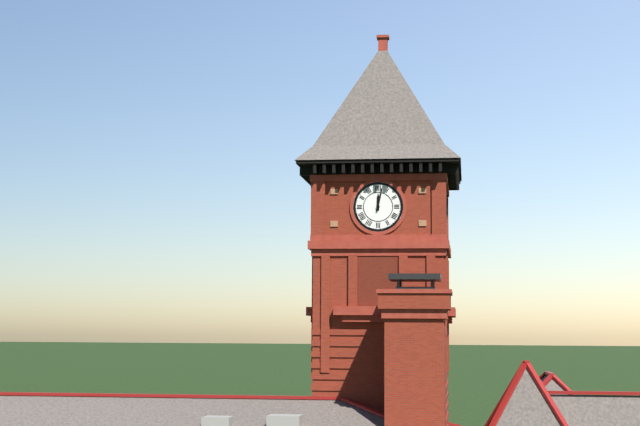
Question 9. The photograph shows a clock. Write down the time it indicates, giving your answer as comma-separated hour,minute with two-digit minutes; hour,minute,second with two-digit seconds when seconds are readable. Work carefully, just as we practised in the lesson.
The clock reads 12,02
